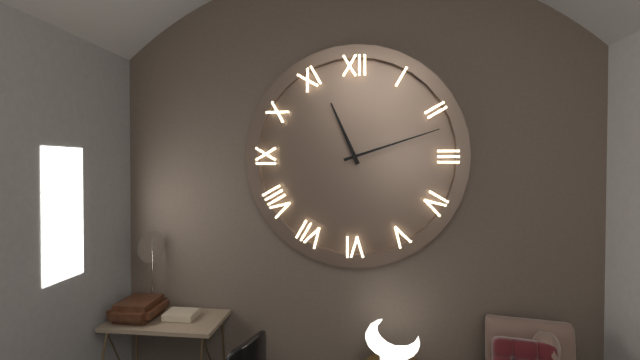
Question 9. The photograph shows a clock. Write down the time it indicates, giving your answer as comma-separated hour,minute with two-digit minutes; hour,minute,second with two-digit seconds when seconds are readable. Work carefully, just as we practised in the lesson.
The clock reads 11,12
